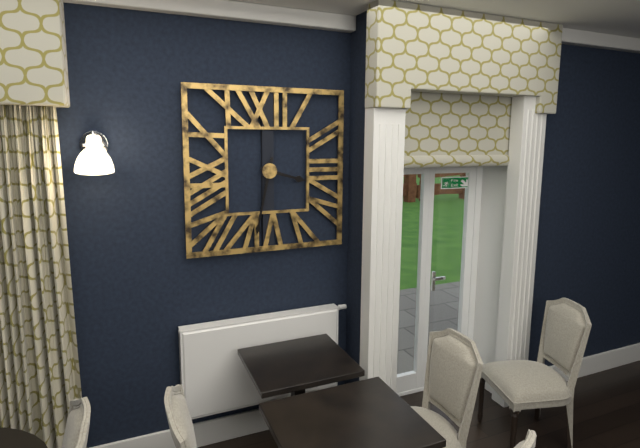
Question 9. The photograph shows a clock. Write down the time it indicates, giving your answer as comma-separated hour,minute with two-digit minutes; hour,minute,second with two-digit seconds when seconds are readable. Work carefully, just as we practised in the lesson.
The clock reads 3,32
